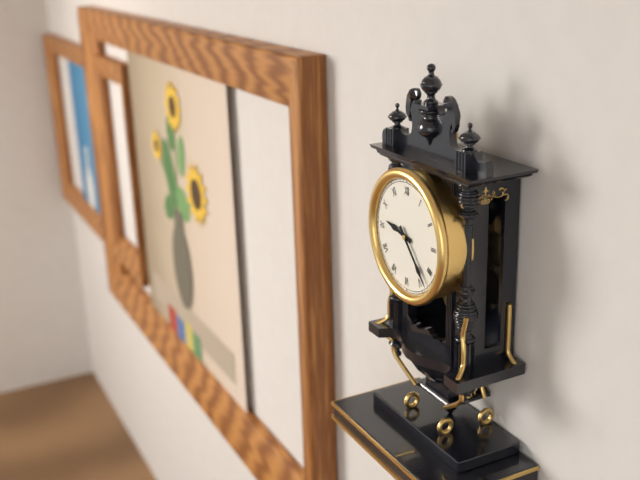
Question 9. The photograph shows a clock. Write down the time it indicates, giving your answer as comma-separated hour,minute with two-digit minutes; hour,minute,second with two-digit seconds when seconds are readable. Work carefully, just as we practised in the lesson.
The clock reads 9,23
